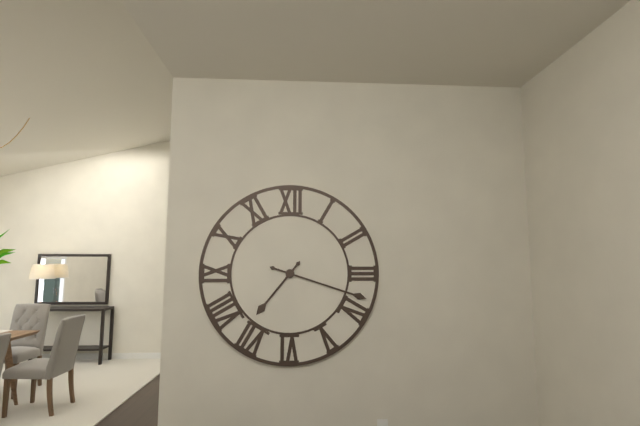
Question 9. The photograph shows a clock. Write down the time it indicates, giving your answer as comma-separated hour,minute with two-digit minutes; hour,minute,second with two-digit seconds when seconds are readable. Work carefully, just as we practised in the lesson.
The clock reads 7,18
